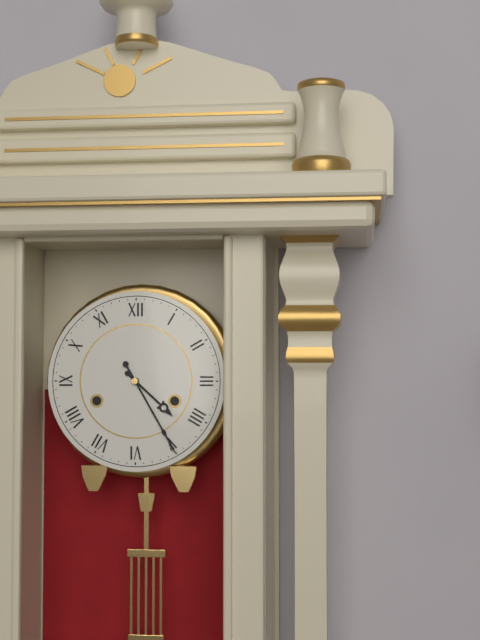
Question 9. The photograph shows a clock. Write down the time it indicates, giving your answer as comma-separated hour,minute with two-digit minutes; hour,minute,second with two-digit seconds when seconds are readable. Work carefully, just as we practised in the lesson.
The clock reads 4,25
